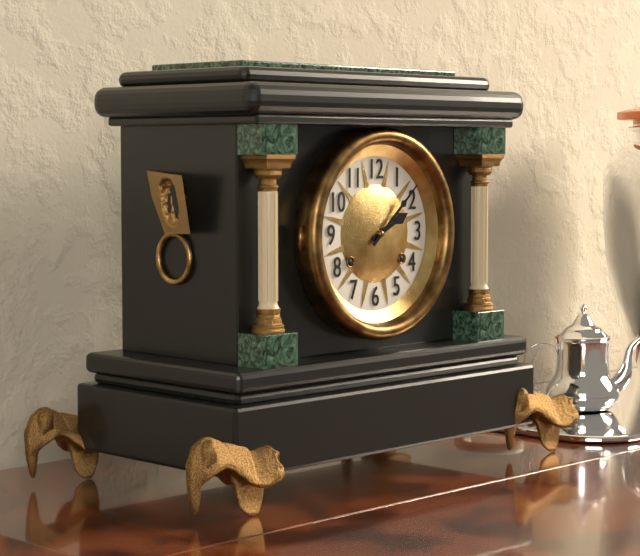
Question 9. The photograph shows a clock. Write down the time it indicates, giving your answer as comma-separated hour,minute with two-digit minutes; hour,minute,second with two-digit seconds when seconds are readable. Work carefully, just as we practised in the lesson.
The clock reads 2,08
